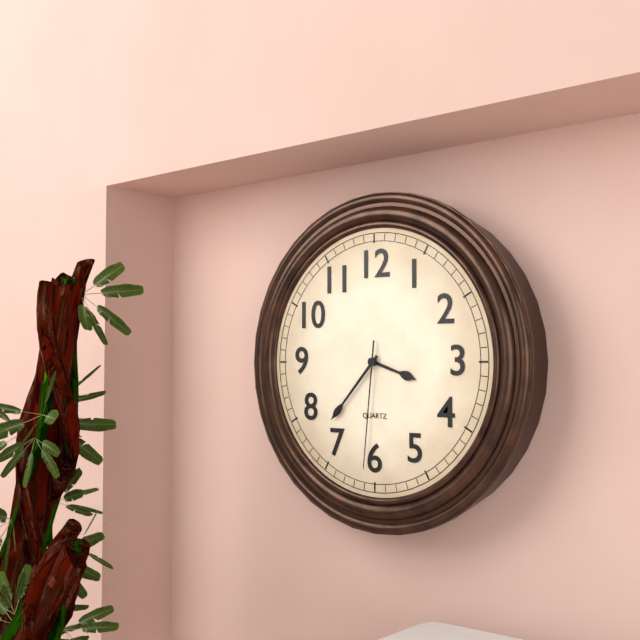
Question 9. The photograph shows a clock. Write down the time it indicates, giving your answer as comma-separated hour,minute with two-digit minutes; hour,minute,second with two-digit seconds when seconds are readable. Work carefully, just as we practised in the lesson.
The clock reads 3,37,31
